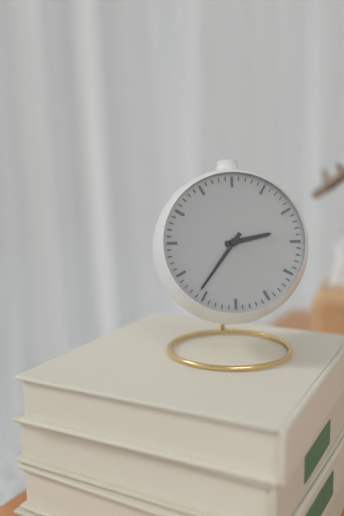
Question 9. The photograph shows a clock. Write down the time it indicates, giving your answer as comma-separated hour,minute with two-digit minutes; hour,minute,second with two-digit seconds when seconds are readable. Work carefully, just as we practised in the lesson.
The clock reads 2,36
